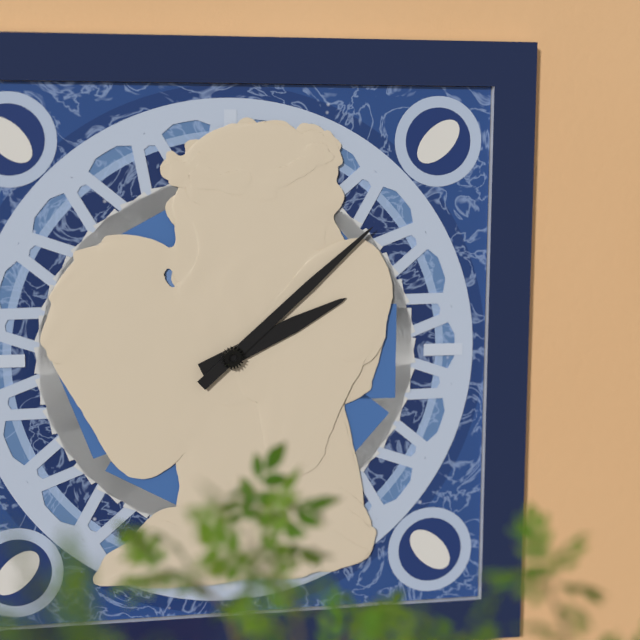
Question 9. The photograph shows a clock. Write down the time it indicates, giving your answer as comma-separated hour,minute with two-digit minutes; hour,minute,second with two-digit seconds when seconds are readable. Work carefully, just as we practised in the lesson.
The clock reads 2,08
